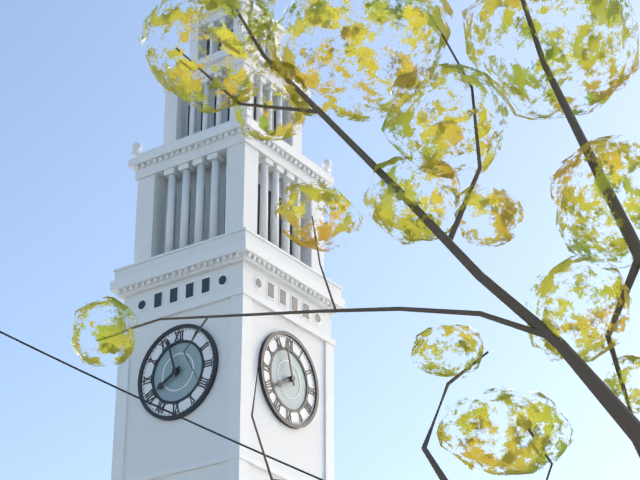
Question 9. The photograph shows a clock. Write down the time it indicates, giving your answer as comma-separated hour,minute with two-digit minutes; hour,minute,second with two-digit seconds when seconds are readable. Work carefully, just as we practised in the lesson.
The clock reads 7,57
